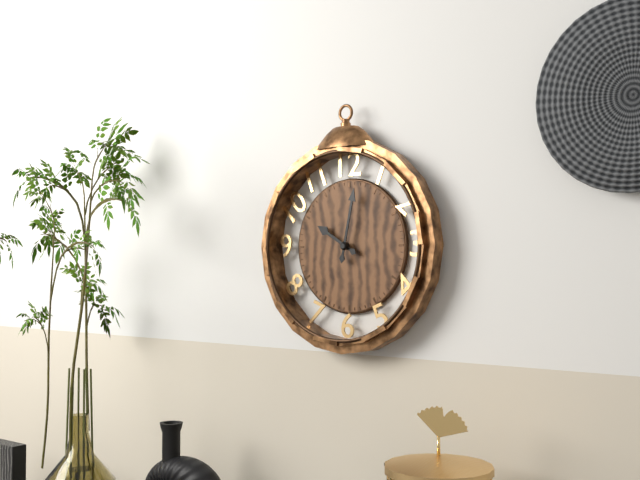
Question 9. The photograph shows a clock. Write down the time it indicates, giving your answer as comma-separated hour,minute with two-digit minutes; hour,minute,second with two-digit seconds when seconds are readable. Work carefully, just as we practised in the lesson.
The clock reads 10,02
